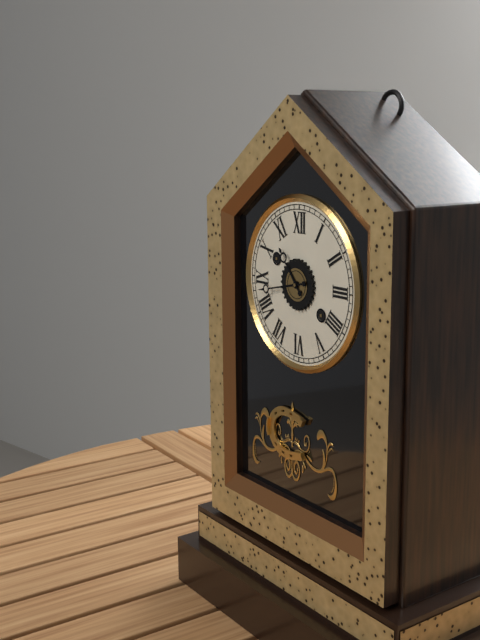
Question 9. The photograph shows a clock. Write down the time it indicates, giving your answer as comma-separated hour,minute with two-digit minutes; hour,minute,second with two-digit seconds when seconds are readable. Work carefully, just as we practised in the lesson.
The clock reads 10,43
